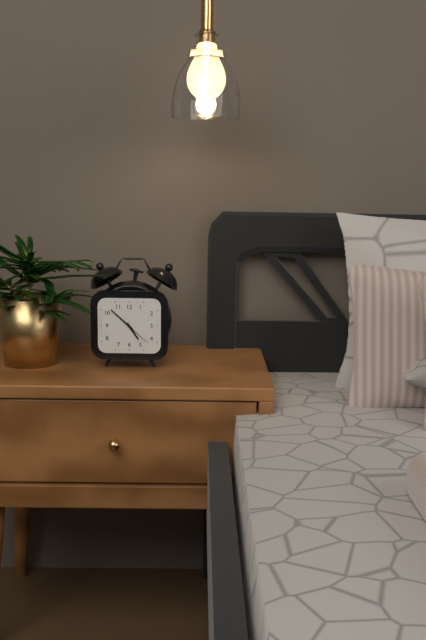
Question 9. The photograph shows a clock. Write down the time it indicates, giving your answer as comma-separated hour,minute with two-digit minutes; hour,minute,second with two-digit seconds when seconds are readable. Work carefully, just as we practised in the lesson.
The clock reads 4,52
